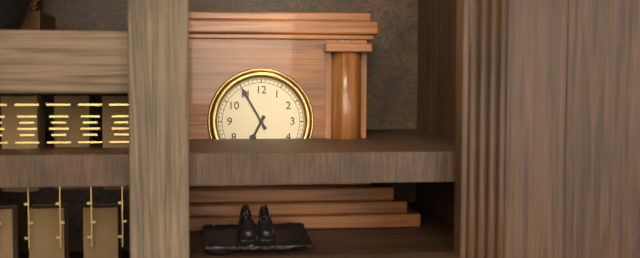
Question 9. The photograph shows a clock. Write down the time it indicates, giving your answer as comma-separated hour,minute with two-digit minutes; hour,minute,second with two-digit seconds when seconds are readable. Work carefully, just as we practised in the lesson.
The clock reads 6,55
